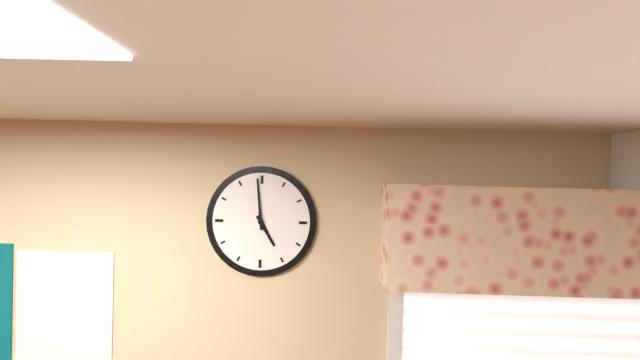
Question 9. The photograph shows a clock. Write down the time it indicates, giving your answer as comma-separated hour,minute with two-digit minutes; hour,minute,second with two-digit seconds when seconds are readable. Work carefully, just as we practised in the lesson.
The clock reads 4,59
